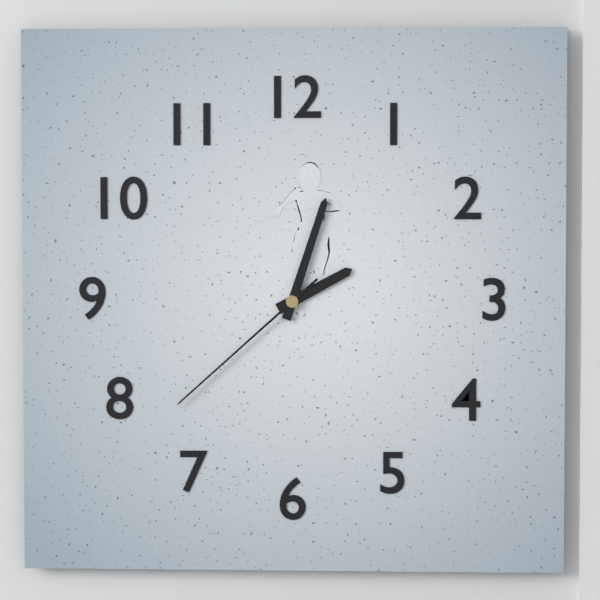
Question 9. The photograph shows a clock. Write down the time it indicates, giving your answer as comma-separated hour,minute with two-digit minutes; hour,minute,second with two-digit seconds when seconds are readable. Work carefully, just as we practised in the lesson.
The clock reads 2,03,38
